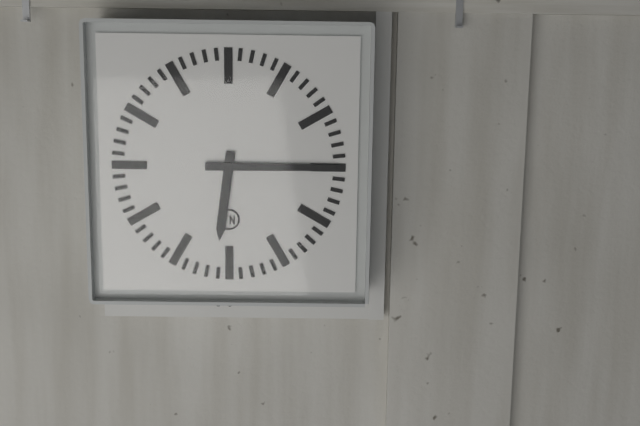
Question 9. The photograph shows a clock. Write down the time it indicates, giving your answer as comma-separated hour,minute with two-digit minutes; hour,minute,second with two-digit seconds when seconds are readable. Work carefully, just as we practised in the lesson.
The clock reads 6,15
